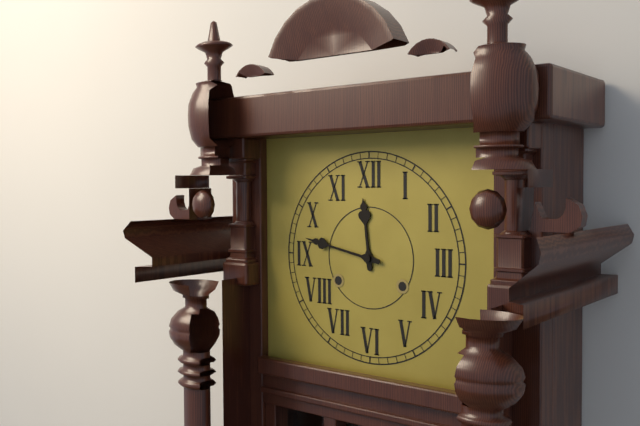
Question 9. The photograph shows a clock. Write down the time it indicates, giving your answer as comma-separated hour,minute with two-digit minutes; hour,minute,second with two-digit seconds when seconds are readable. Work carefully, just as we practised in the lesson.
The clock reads 11,47
